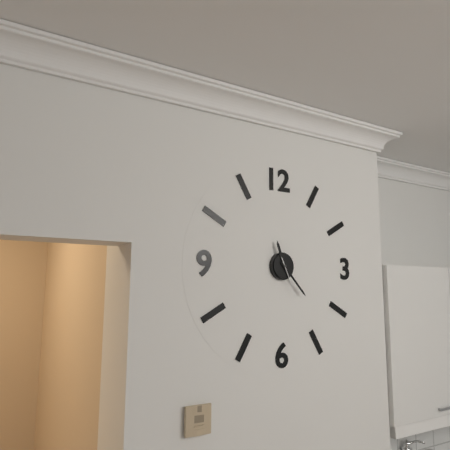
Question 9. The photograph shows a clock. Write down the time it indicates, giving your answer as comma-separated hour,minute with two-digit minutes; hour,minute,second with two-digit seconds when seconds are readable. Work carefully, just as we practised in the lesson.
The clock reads 11,23
